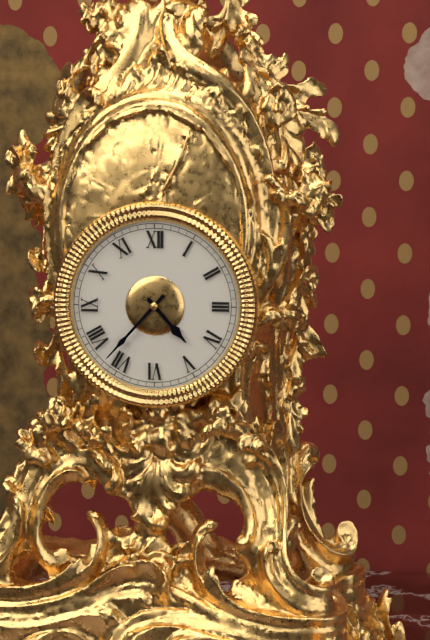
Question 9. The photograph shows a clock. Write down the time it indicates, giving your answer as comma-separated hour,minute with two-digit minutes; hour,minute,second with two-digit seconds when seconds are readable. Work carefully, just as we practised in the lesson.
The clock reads 4,37
